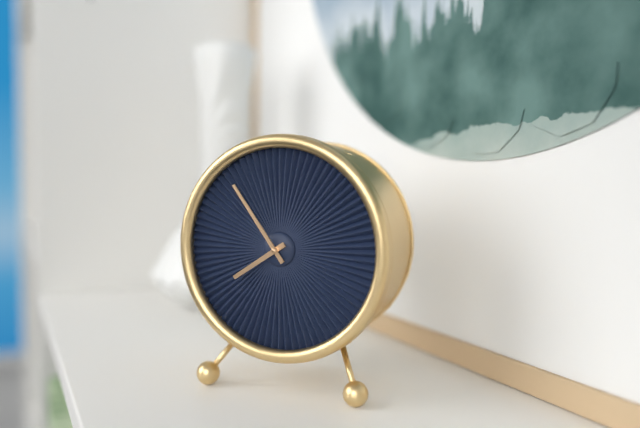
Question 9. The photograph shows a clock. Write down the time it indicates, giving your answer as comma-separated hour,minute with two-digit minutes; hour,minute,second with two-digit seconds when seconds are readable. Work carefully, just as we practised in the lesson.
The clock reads 7,54
